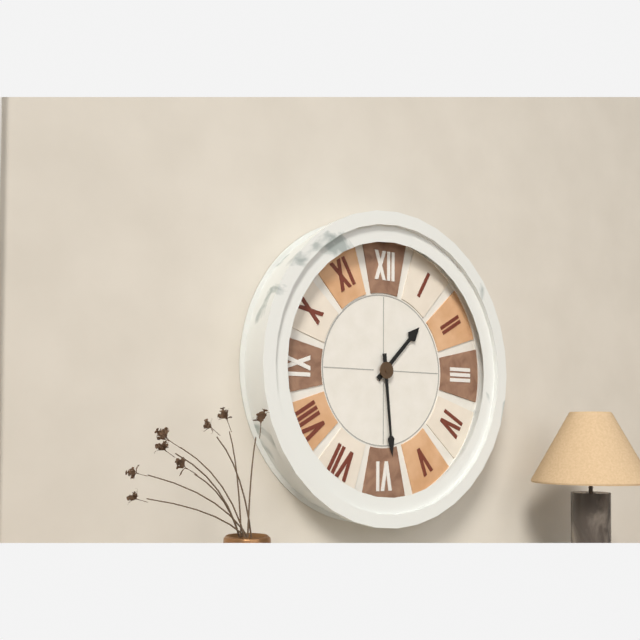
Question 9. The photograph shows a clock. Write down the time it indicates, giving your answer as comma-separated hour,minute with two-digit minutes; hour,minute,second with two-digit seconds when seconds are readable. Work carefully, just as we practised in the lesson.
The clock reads 1,29
